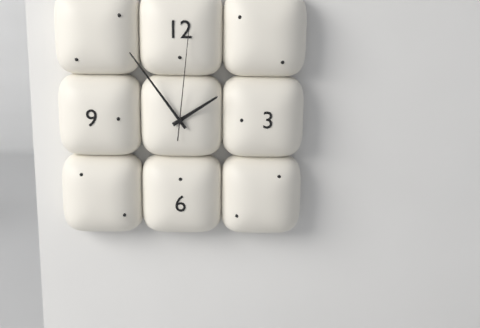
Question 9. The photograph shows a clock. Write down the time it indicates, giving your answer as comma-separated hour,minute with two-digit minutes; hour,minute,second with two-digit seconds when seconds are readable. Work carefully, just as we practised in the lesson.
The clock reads 1,54,01
